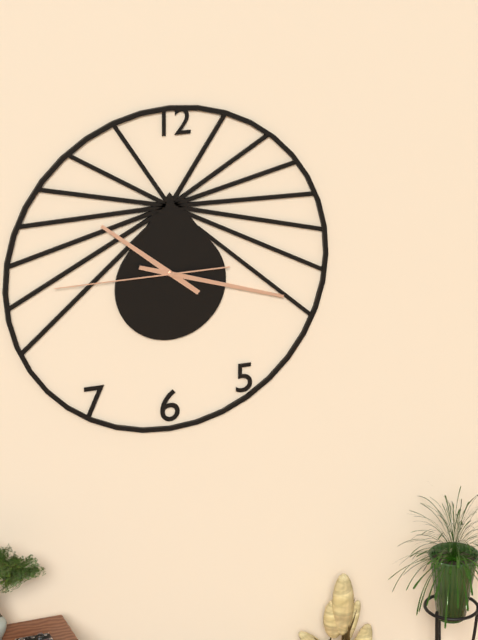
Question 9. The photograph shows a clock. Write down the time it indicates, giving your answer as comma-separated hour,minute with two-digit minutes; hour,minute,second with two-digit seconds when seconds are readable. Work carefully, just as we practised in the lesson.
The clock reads 10,18,45
